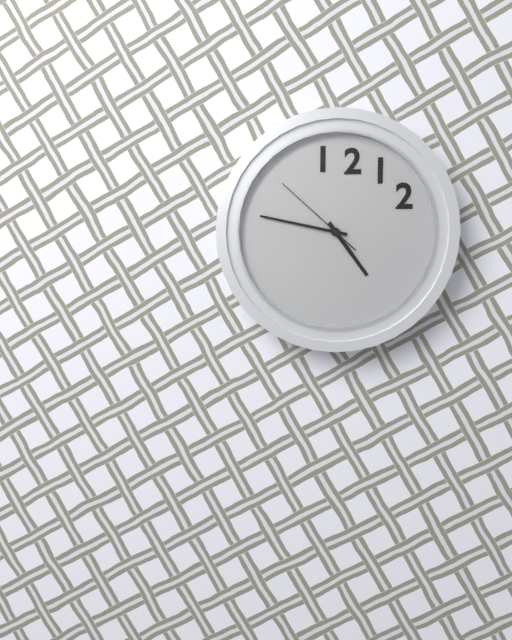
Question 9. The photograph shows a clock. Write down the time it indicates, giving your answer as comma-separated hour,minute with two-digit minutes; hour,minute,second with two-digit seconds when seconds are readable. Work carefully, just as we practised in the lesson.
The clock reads 4,47,52
